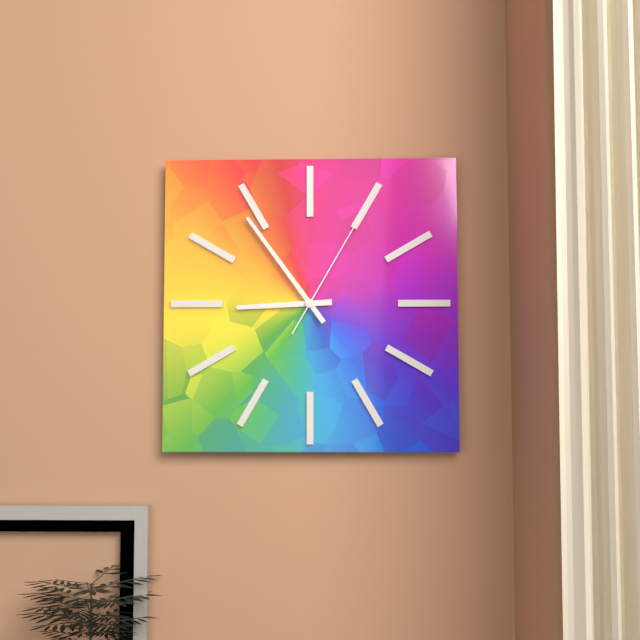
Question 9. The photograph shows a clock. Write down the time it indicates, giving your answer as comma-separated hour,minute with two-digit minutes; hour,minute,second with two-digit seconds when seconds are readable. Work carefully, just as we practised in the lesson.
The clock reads 8,54,05
